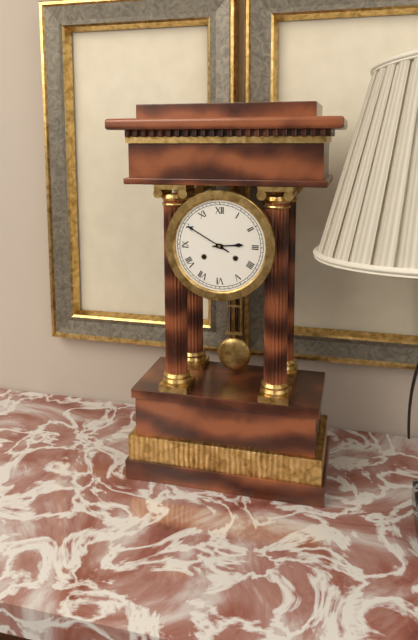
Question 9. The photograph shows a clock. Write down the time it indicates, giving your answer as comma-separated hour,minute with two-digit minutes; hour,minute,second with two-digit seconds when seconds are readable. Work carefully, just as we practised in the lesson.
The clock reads 2,50
